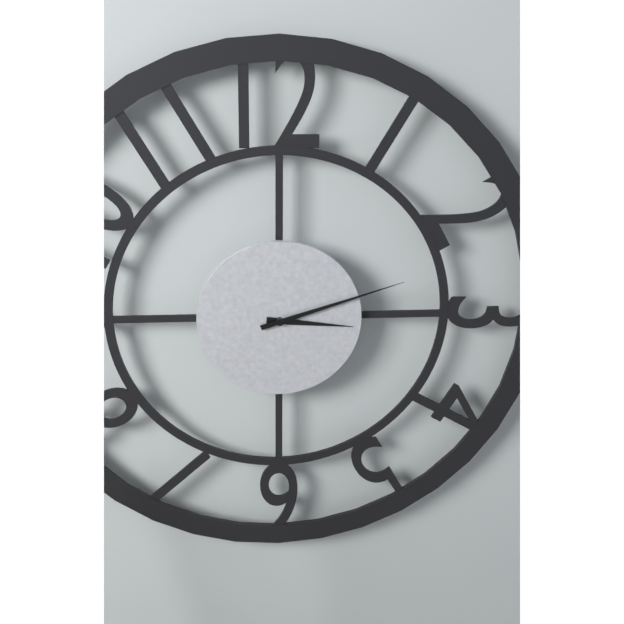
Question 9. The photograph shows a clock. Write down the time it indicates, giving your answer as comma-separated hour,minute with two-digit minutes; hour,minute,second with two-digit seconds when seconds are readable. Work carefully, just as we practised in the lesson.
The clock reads 3,12
